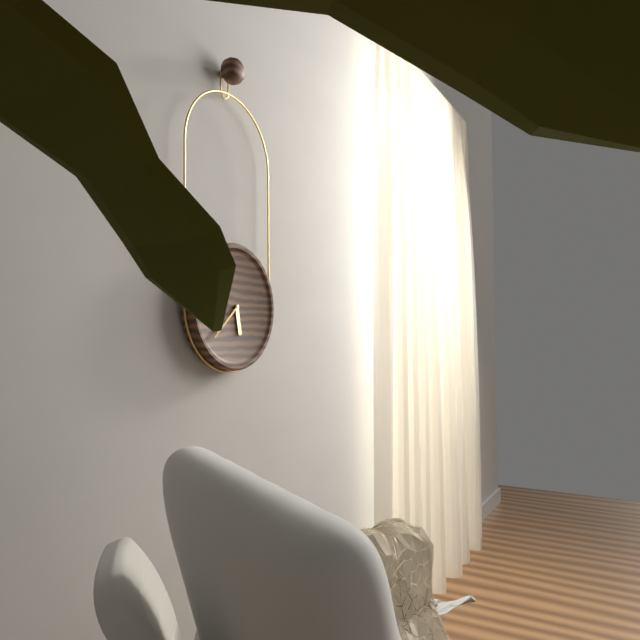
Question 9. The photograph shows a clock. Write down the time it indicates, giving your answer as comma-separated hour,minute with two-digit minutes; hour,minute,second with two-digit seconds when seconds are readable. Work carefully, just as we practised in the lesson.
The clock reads 5,38
